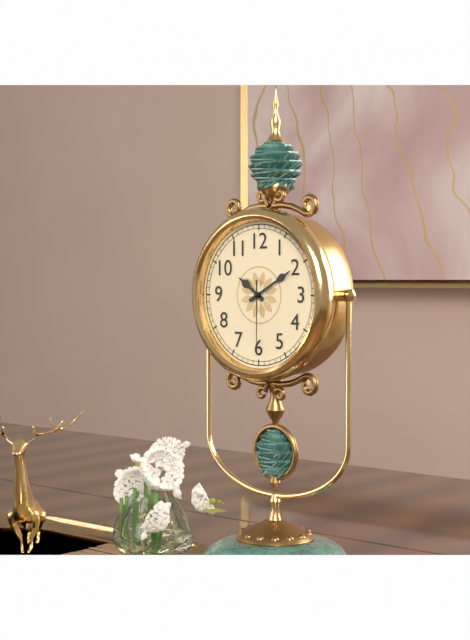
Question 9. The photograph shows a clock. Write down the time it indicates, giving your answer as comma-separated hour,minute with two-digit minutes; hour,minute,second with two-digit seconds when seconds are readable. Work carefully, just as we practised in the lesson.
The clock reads 10,10,30
